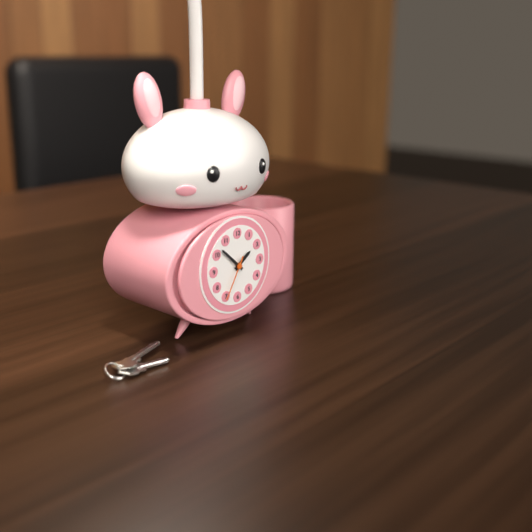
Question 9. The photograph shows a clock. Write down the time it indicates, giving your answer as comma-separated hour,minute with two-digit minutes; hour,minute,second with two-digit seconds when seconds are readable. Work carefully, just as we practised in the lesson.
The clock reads 1,52
